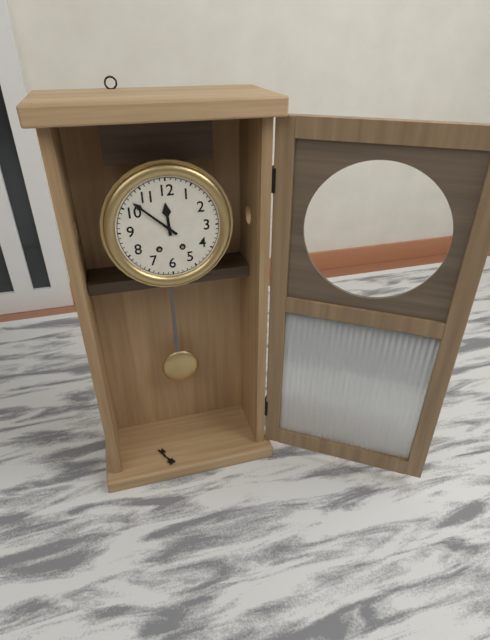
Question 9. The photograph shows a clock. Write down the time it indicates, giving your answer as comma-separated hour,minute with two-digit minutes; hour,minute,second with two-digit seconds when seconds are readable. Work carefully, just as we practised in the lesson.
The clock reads 11,52
